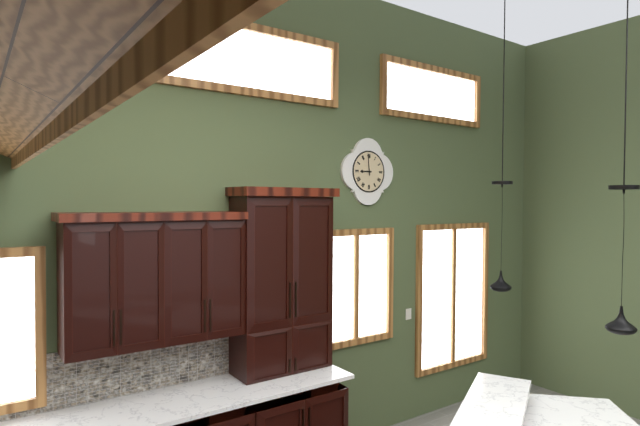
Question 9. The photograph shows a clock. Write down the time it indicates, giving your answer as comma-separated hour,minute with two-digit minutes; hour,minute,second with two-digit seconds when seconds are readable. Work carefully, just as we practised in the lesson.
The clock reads 8,59
